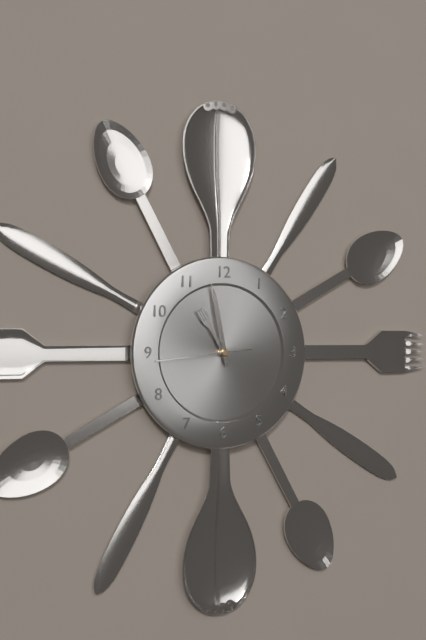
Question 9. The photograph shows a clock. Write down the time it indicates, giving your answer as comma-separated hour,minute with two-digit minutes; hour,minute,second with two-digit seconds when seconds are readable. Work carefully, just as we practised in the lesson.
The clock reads 10,58,44
